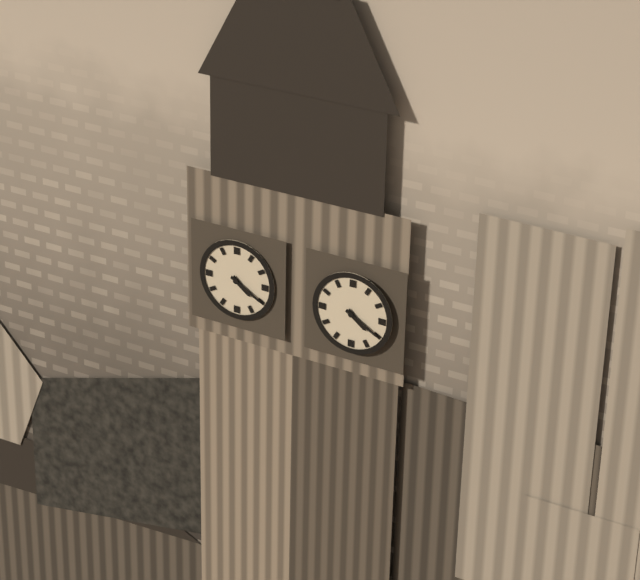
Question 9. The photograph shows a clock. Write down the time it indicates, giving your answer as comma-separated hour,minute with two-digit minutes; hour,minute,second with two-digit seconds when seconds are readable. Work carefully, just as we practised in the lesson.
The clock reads 4,20
